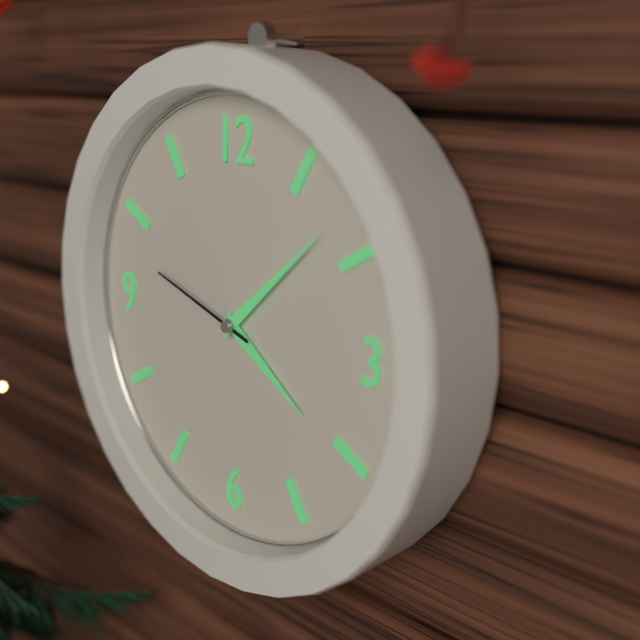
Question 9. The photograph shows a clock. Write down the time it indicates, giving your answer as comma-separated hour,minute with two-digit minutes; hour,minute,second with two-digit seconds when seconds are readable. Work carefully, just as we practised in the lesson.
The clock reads 4,08,48
